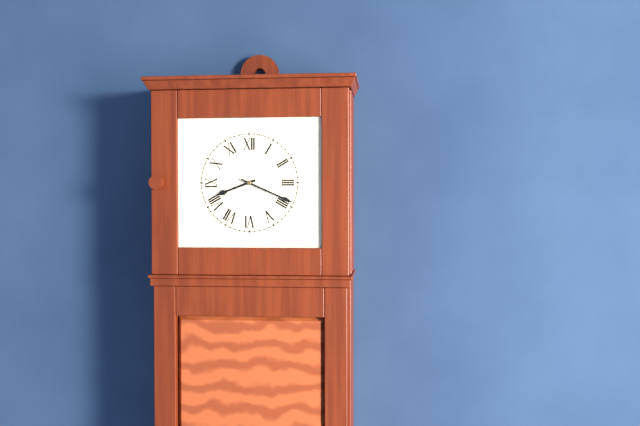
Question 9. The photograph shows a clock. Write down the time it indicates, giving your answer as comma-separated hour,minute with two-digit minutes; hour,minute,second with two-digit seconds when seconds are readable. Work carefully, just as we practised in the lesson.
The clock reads 8,19
